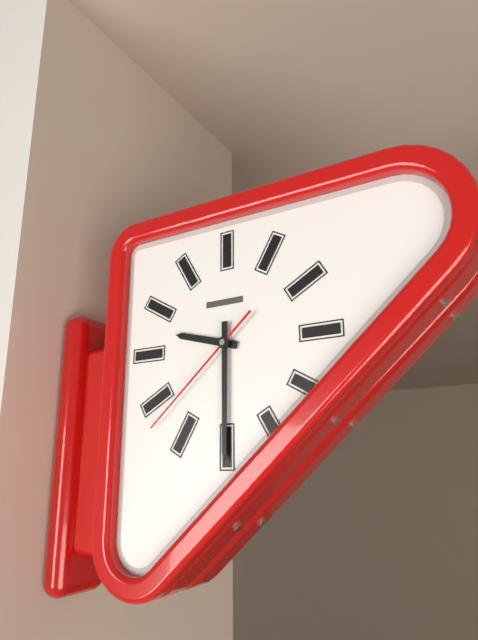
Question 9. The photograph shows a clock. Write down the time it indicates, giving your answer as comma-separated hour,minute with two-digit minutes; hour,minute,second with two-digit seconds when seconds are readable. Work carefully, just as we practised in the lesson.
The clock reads 9,30,38
